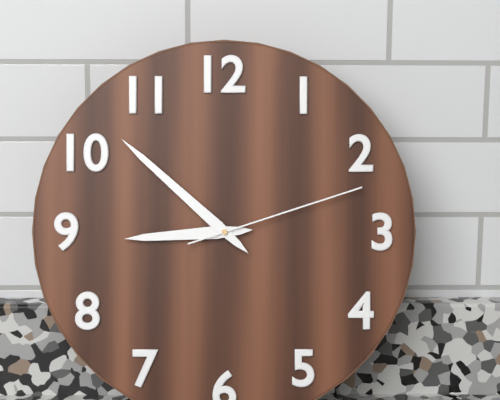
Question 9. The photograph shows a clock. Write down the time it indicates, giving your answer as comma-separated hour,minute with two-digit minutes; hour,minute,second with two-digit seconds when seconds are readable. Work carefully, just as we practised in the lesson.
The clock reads 8,52,12
